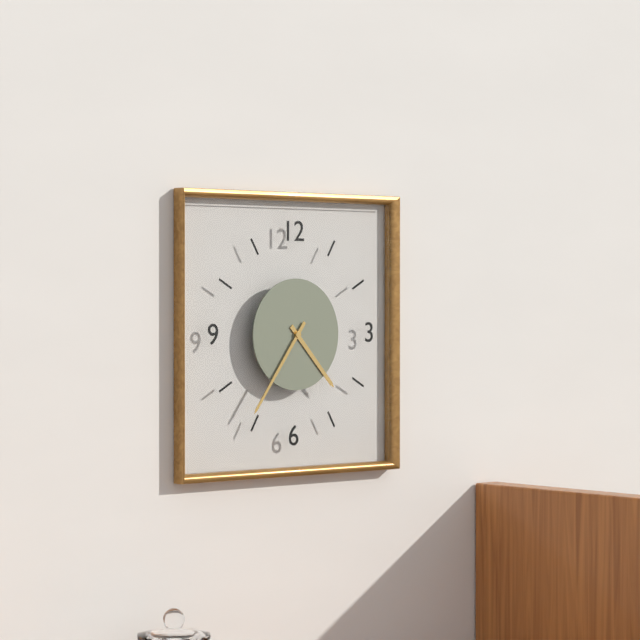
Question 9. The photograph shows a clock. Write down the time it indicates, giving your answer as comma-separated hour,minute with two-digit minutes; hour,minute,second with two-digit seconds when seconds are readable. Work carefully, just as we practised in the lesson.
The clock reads 4,36
